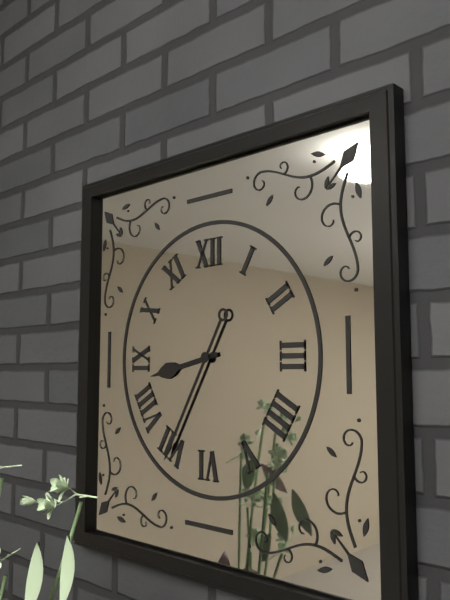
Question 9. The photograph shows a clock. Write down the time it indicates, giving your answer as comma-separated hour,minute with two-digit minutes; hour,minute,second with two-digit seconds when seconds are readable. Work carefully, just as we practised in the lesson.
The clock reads 8,35
